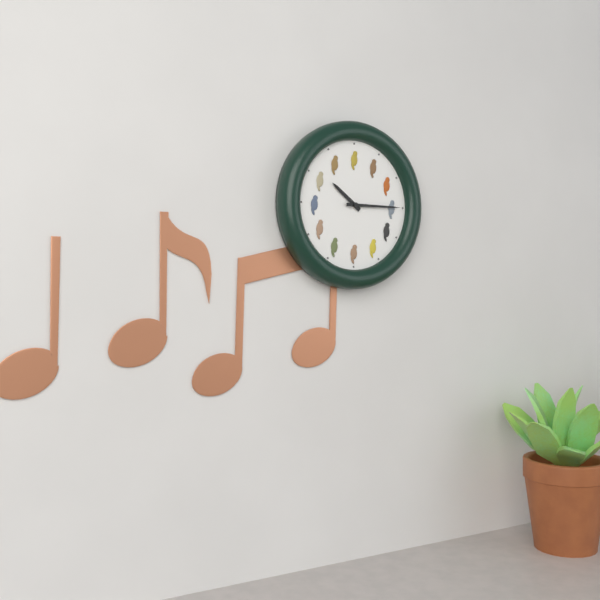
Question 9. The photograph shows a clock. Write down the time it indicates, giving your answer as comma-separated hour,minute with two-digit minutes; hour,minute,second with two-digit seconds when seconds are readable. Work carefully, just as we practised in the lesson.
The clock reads 10,15
